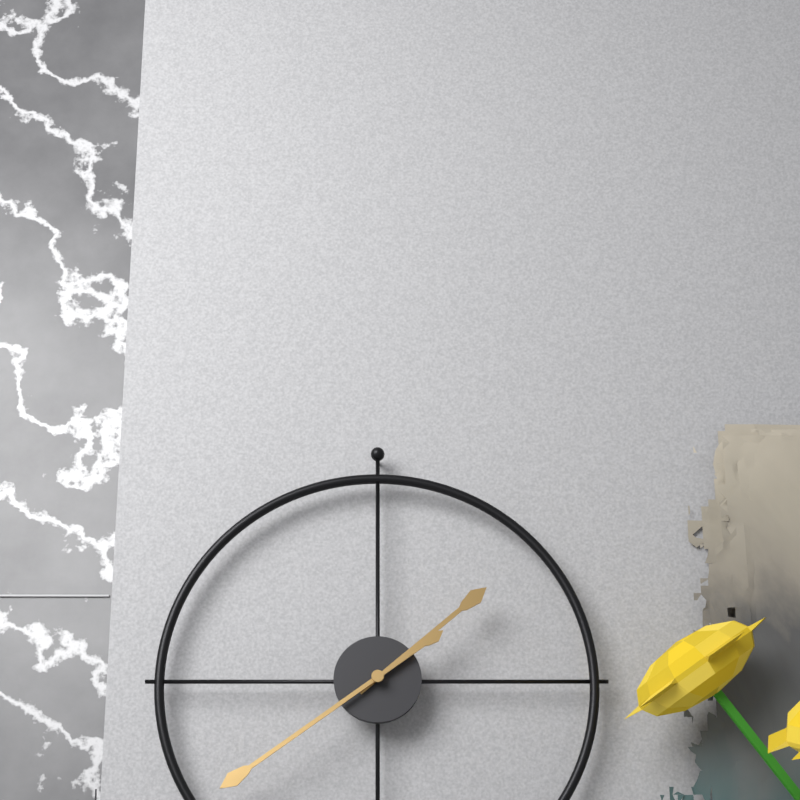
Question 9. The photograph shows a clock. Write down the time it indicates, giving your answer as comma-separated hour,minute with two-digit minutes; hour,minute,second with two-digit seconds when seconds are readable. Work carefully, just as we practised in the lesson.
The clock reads 1,39
